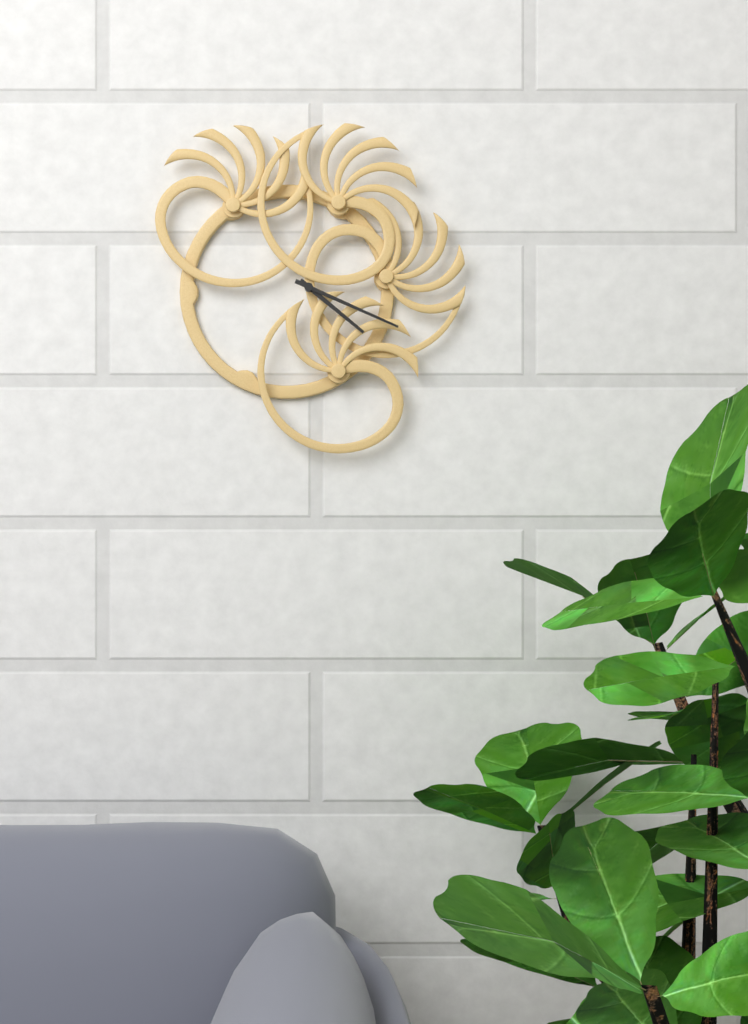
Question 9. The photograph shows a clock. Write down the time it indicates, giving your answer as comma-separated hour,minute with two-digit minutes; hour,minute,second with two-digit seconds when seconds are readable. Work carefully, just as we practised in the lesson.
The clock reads 4,19
